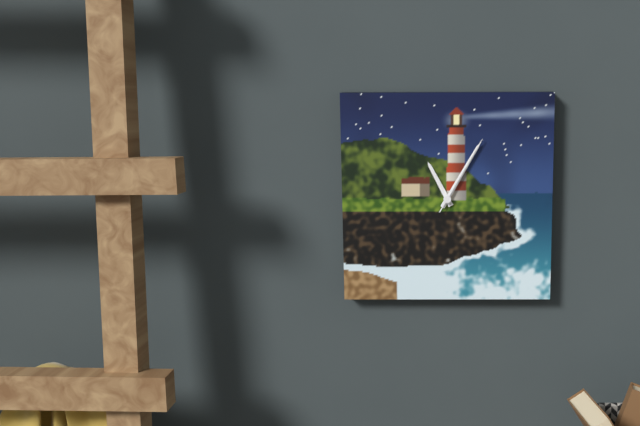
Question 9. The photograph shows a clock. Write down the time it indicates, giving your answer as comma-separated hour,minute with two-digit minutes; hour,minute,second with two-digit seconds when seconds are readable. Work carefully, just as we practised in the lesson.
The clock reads 11,05,05
